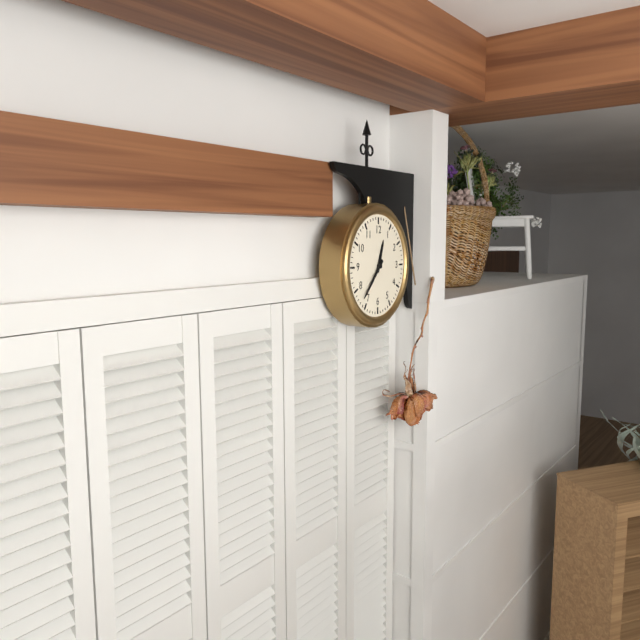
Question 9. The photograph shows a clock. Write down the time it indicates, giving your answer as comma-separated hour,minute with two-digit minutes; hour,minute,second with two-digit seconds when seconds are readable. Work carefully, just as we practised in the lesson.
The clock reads 12,37
